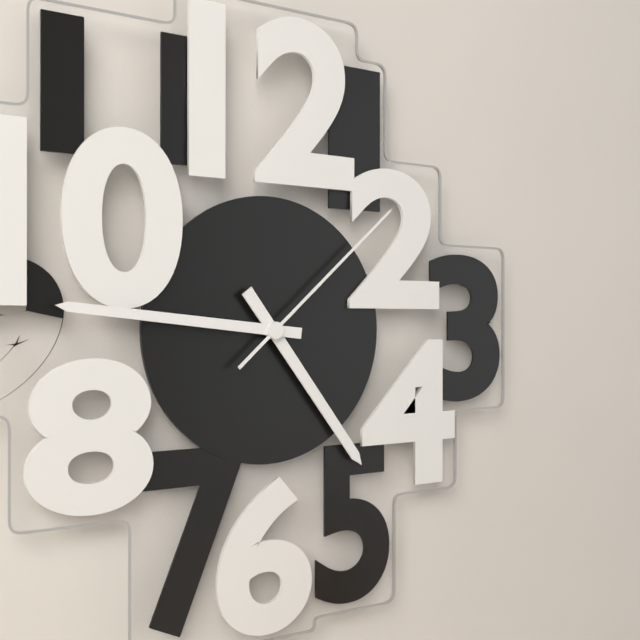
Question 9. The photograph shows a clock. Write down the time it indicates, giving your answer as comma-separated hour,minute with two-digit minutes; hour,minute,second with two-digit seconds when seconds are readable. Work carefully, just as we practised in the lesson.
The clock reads 4,46,08
